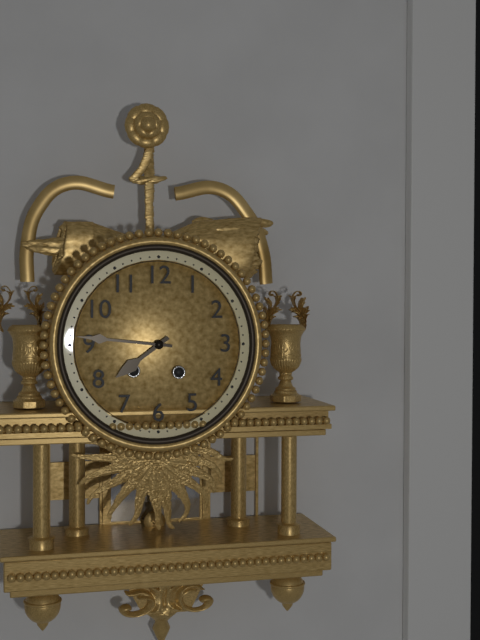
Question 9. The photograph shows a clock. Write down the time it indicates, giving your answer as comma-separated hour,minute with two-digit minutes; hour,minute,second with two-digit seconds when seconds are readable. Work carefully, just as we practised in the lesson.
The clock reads 7,46
